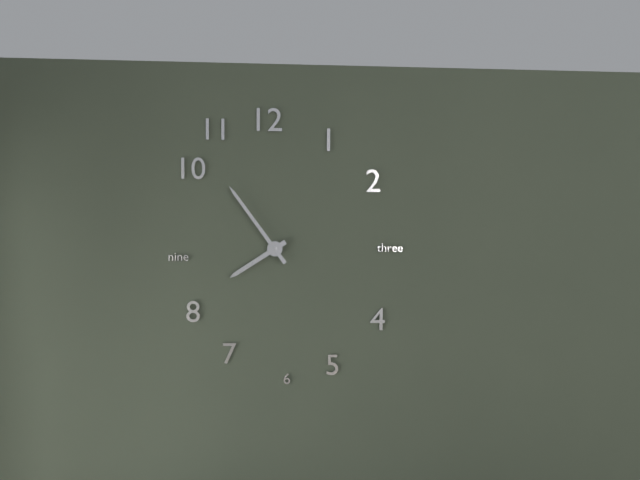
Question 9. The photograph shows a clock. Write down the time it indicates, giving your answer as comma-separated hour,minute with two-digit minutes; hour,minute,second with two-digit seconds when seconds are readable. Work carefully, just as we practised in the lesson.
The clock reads 7,54
